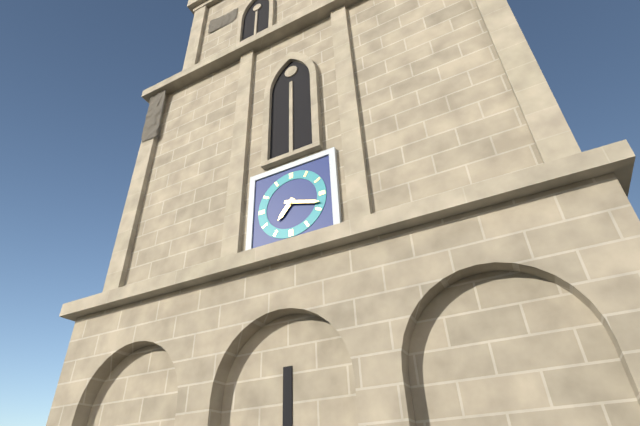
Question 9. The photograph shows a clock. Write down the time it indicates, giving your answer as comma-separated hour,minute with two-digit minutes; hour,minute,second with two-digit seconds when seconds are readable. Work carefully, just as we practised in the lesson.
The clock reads 7,18
